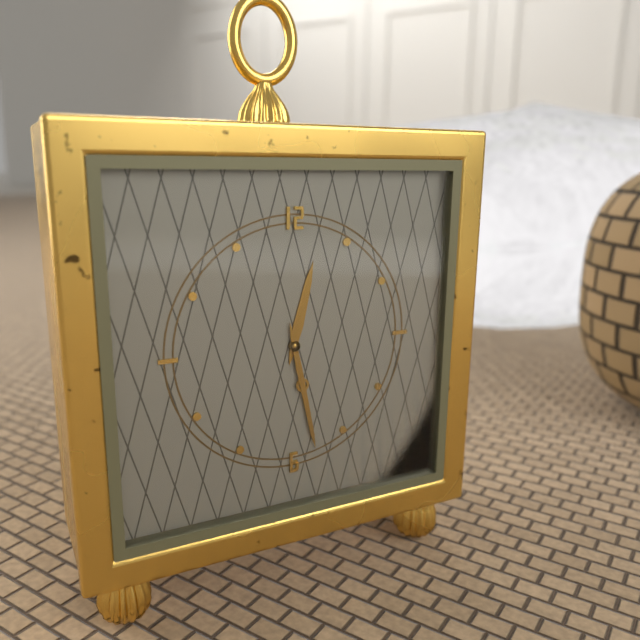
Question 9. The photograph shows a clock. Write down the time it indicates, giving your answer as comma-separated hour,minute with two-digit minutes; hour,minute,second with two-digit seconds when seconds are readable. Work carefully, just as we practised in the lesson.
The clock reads 12,28
